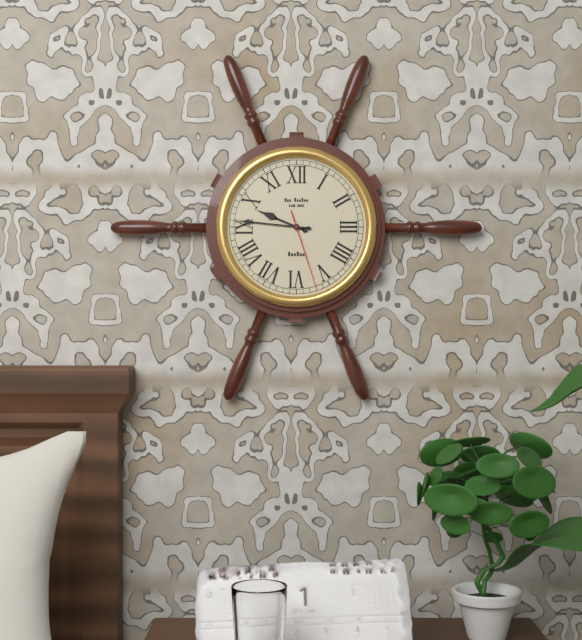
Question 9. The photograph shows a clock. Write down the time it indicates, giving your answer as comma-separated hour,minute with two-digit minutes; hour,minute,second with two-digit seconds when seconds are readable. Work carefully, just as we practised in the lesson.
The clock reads 9,46,27
